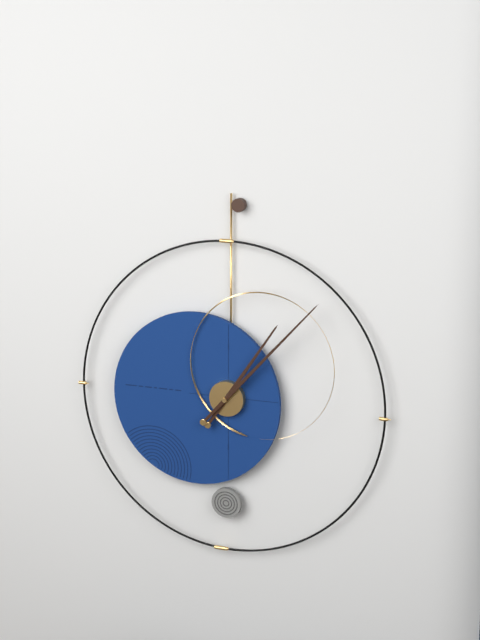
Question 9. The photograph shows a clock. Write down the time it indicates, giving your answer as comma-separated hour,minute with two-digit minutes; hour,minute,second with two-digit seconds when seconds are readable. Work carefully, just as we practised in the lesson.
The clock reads 1,07
